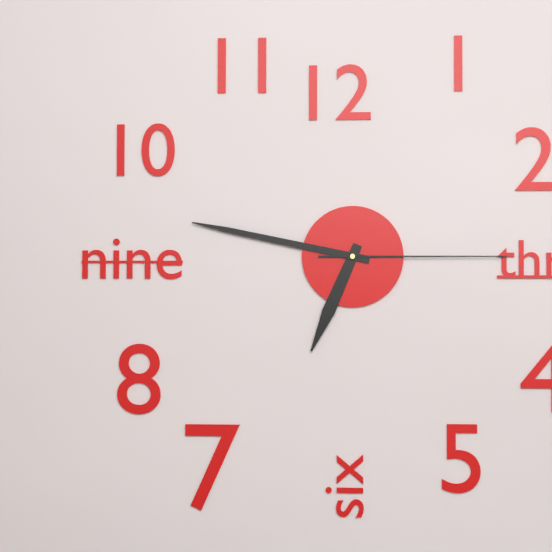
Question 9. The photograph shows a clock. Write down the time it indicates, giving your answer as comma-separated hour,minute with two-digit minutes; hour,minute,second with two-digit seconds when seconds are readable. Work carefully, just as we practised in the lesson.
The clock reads 6,47,15
